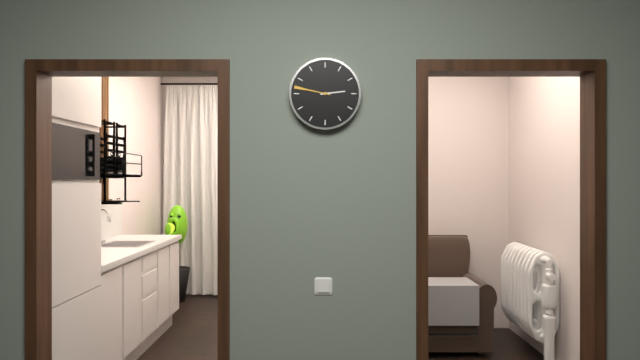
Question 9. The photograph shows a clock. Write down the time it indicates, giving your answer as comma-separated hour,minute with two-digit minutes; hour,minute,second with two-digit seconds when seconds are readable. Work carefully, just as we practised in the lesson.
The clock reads 2,47
